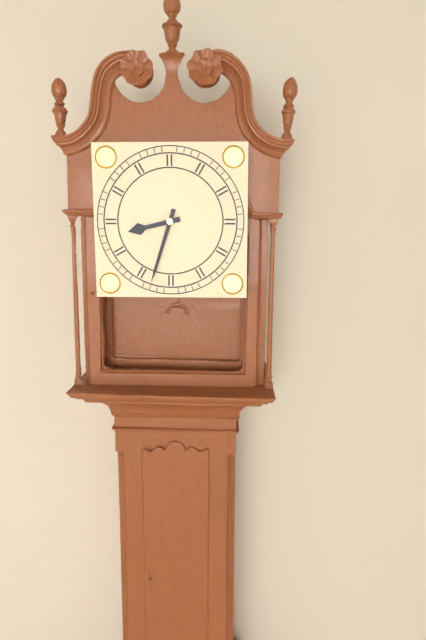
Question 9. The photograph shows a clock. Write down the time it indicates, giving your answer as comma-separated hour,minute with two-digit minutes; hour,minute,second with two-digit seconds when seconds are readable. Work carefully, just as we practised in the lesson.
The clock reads 8,33
